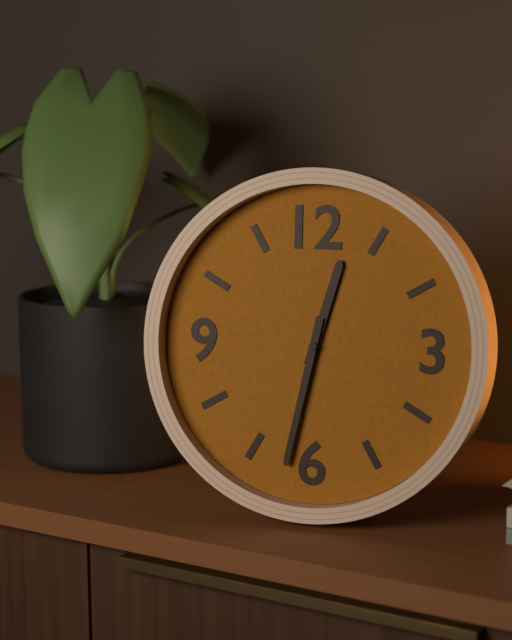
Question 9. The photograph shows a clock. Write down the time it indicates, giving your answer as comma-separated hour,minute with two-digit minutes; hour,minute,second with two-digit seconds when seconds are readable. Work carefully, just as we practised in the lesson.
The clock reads 12,32
